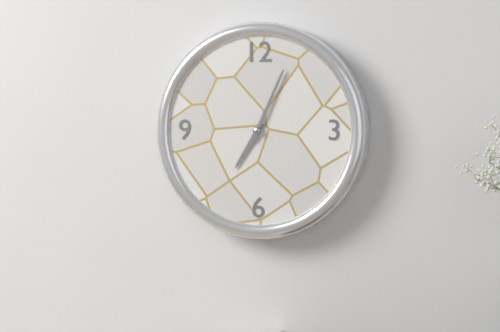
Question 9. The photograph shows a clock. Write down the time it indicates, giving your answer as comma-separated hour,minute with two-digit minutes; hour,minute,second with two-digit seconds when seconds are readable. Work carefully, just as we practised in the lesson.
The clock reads 7,04
